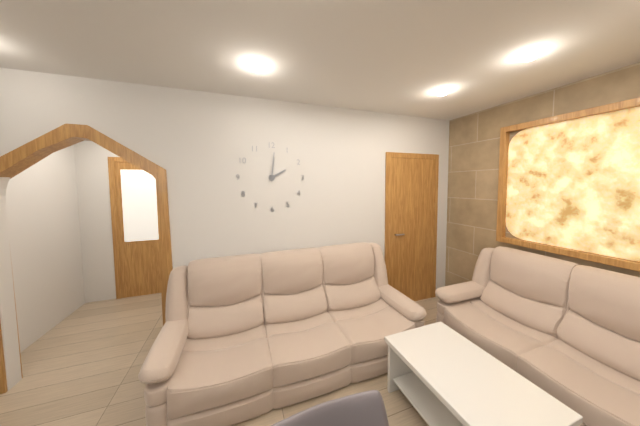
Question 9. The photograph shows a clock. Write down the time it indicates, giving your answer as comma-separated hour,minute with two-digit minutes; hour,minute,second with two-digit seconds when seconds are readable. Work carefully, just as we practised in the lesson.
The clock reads 2,01
